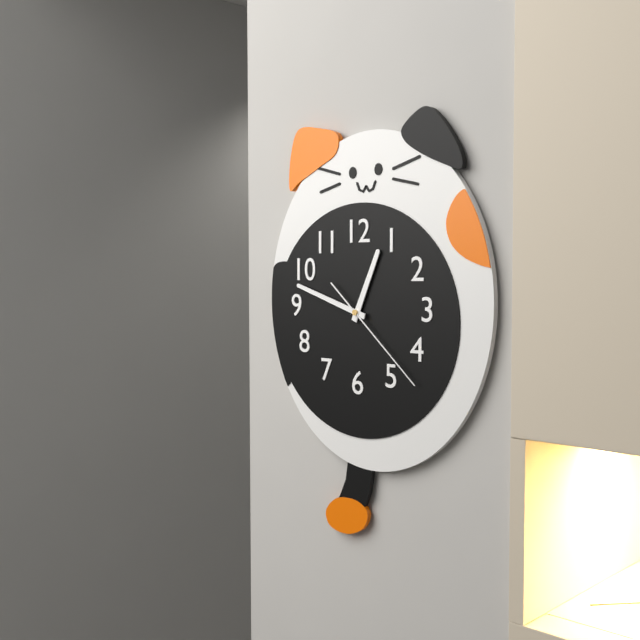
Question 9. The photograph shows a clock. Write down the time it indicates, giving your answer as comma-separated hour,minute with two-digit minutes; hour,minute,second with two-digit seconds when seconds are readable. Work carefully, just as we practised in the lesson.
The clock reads 12,48,22
